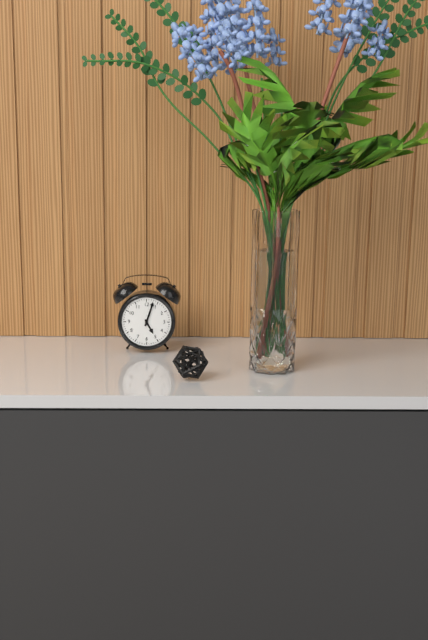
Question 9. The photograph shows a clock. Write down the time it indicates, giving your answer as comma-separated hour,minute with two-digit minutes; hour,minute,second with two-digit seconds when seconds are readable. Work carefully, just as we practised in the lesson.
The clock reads 5,03
